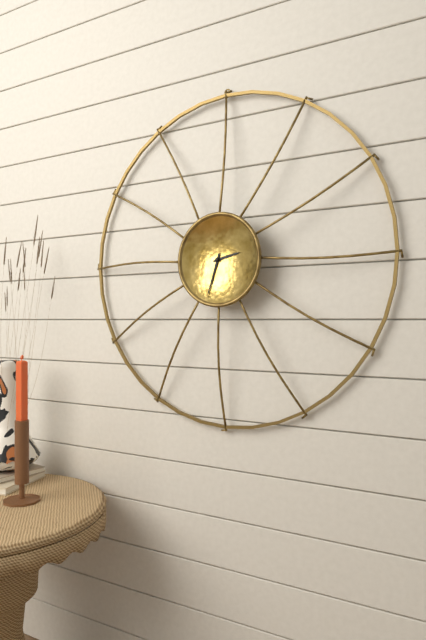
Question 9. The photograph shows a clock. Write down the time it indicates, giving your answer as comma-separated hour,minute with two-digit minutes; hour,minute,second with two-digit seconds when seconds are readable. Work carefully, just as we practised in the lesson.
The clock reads 2,33
